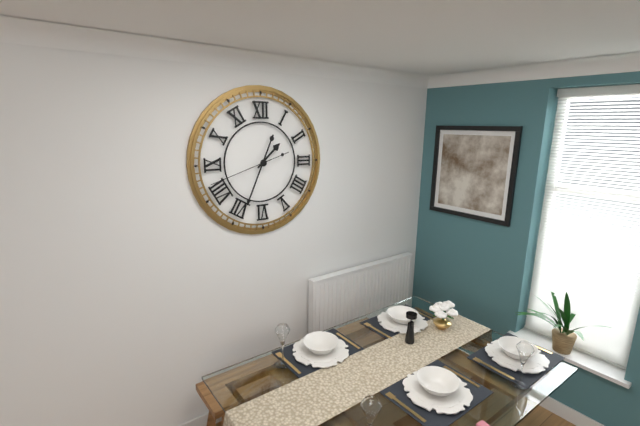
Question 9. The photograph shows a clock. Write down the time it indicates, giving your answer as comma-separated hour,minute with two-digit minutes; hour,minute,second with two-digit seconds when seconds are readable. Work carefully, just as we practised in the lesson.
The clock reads 1,34,42
